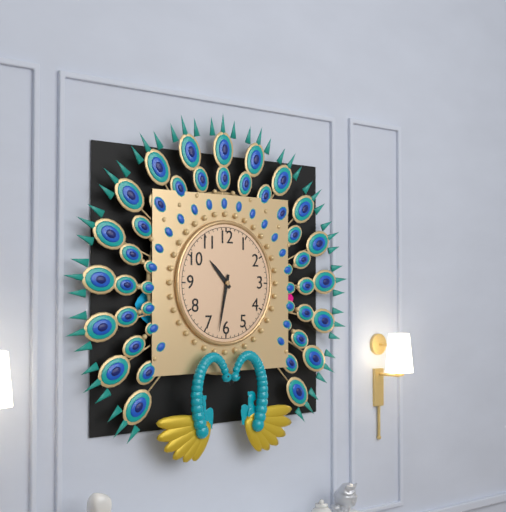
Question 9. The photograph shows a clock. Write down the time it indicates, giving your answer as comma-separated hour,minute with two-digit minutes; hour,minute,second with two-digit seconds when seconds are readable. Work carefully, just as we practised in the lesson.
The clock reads 10,32
